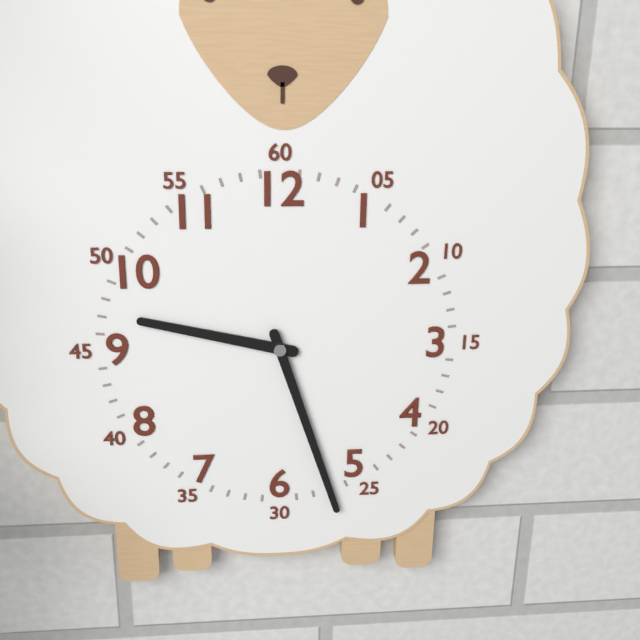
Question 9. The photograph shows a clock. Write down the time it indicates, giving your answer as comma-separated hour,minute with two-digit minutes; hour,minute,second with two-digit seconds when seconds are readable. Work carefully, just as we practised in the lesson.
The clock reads 9,27
